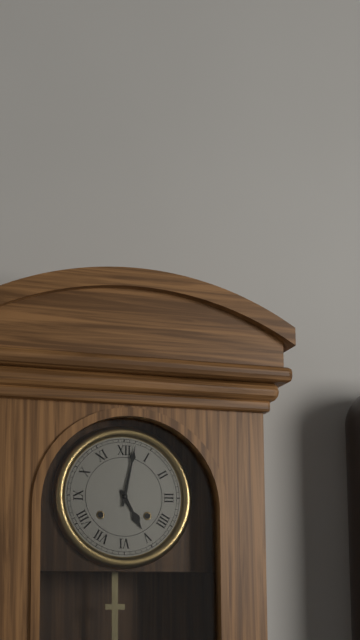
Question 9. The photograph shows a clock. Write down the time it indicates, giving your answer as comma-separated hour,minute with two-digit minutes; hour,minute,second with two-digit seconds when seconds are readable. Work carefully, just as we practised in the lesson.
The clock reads 5,02
